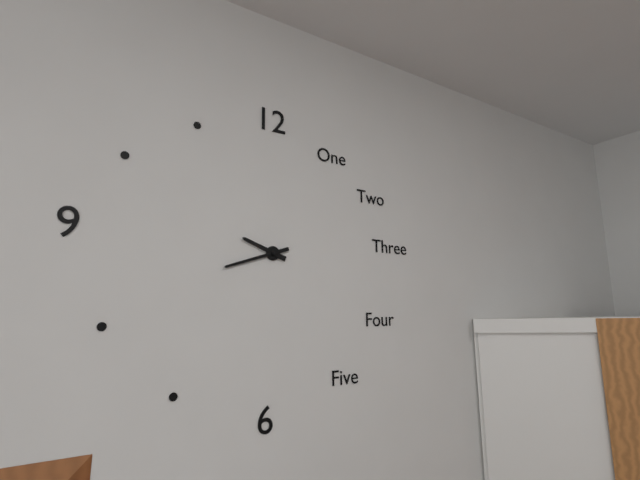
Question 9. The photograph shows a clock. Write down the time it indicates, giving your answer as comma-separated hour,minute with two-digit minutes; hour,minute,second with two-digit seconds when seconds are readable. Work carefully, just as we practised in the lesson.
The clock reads 9,42
